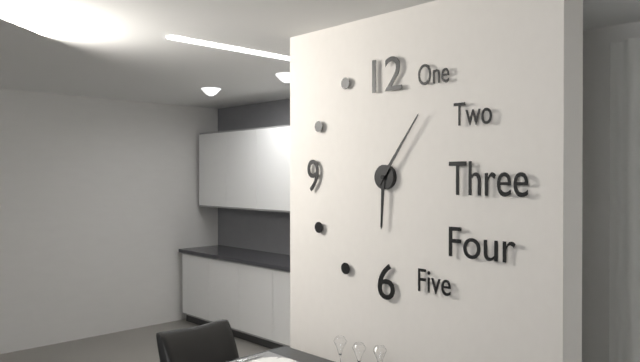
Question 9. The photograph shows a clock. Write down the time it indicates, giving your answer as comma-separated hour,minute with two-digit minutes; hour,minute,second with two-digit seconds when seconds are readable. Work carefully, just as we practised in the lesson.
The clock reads 6,06
